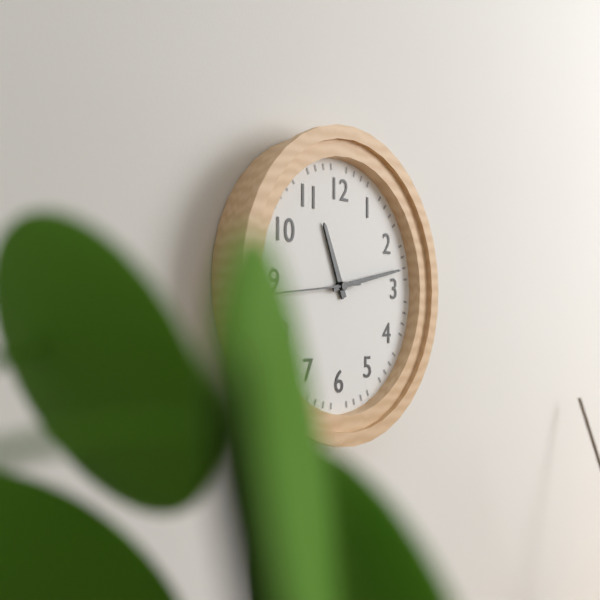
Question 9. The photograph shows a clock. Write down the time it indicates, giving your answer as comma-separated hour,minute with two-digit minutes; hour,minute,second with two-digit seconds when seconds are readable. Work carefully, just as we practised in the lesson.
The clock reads 11,13,44
